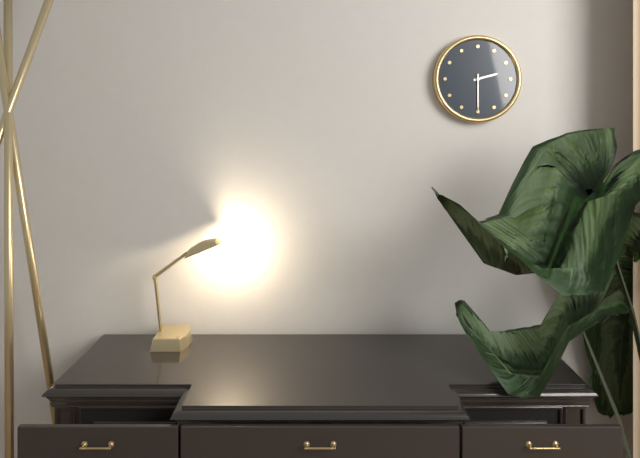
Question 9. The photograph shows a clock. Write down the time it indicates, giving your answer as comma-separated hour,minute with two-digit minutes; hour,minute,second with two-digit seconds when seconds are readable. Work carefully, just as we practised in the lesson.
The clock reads 2,30
